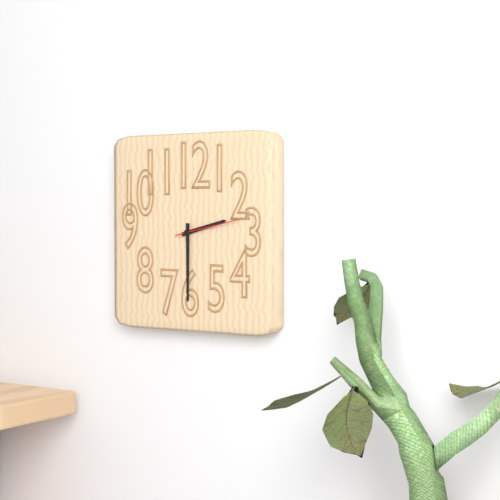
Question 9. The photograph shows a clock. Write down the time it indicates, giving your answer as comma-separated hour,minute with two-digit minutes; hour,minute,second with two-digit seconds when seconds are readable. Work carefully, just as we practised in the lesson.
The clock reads 2,30,13
